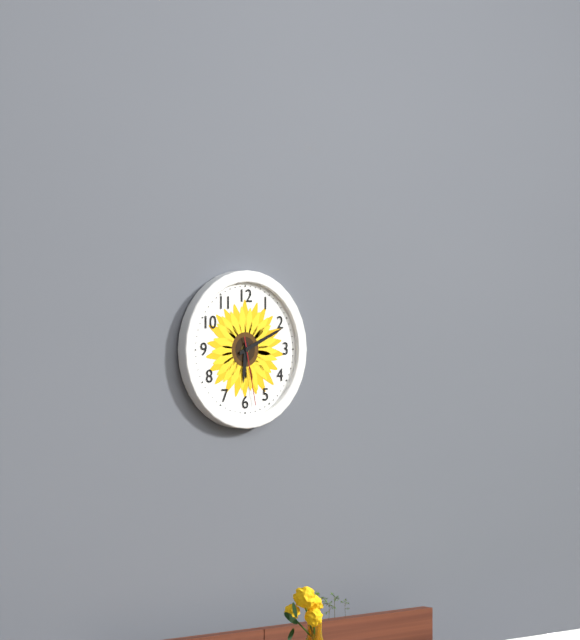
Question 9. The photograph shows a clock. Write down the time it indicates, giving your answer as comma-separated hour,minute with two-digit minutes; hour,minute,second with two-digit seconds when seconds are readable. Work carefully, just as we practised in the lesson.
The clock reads 6,11,28
